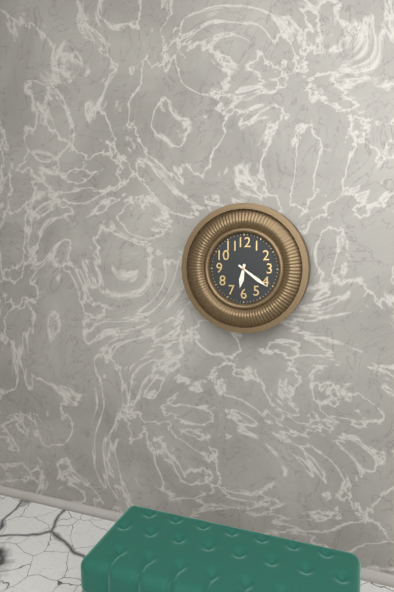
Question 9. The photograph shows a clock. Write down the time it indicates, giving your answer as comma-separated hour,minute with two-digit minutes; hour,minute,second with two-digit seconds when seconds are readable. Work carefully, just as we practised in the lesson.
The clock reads 6,21
